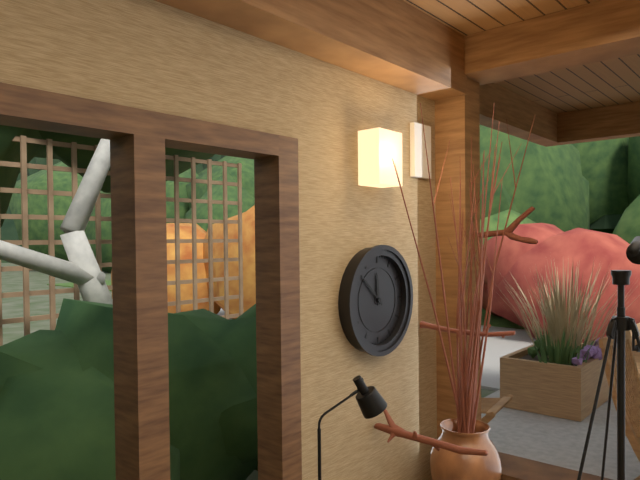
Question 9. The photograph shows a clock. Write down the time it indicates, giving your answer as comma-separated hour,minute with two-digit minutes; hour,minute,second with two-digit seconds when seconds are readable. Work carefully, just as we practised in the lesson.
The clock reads 11,52
